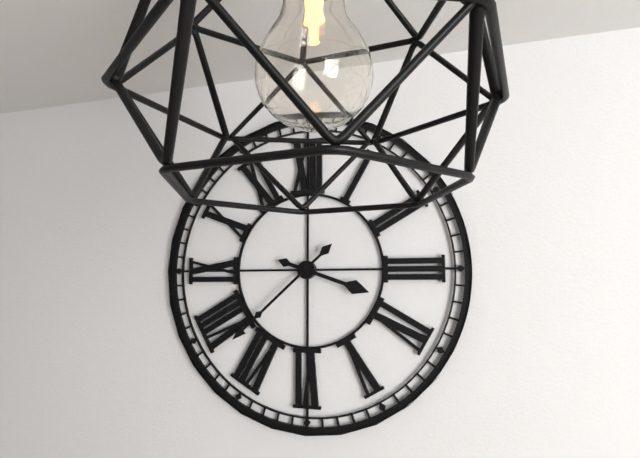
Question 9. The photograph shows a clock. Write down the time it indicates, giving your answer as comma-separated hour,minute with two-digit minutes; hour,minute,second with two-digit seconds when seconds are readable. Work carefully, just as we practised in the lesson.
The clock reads 3,38
